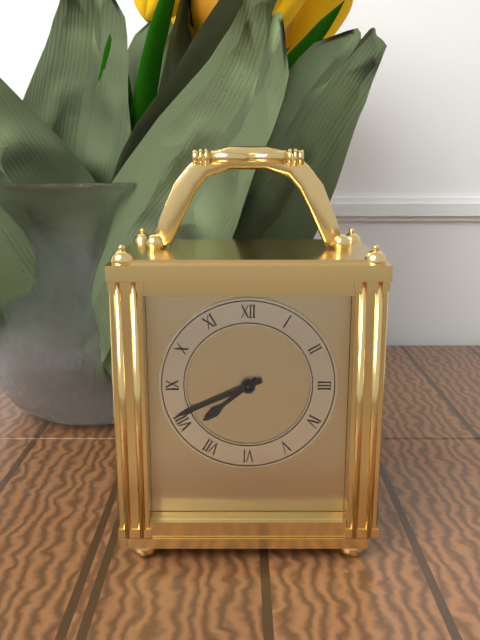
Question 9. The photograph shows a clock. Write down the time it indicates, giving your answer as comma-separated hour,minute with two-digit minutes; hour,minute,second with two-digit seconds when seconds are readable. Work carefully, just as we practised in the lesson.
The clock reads 7,41
